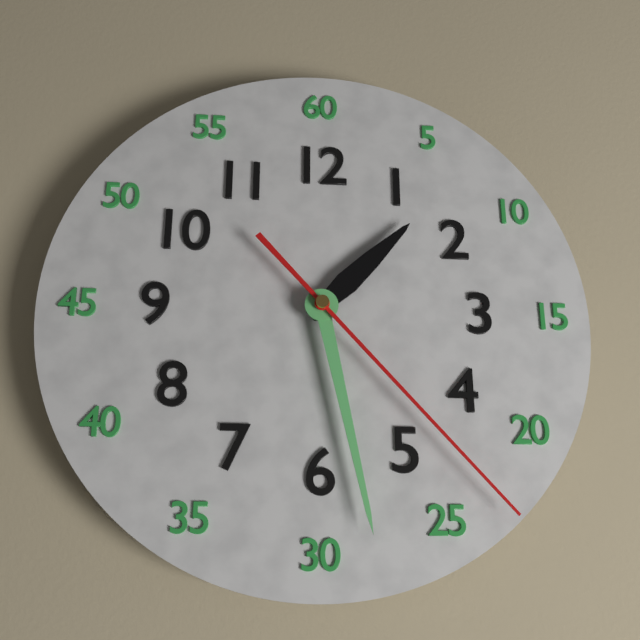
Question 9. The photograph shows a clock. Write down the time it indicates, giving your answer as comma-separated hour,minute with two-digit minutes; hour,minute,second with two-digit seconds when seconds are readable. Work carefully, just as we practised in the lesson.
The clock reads 1,28,23
